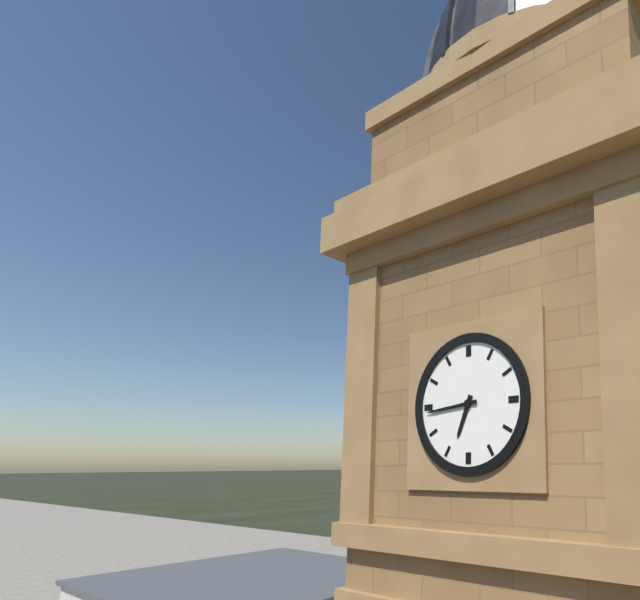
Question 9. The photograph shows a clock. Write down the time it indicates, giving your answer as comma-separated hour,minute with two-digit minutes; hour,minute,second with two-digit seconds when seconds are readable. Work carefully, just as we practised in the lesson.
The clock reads 6,44
